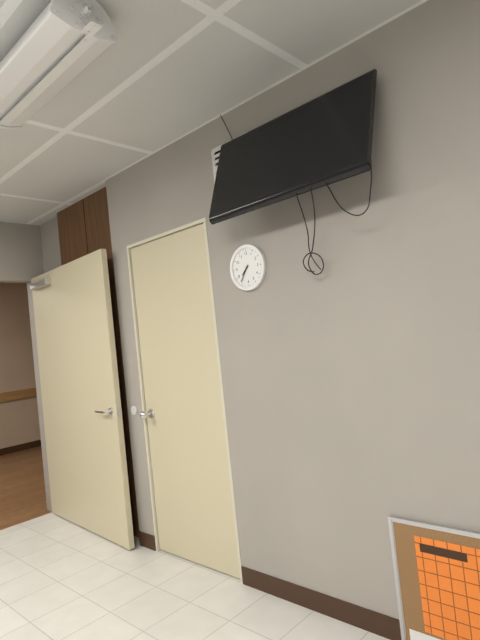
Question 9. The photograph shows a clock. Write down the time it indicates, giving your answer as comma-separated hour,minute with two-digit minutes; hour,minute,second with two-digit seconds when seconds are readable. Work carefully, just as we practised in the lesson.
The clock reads 7,36
